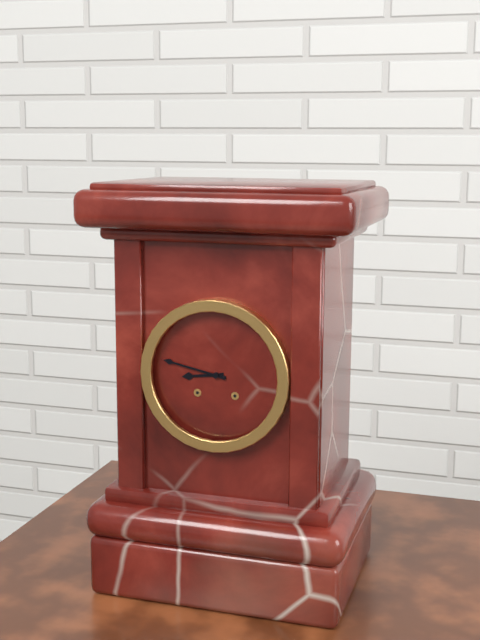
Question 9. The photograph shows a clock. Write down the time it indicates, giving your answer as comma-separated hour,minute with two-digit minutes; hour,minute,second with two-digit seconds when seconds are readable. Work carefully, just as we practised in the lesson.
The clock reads 8,47
